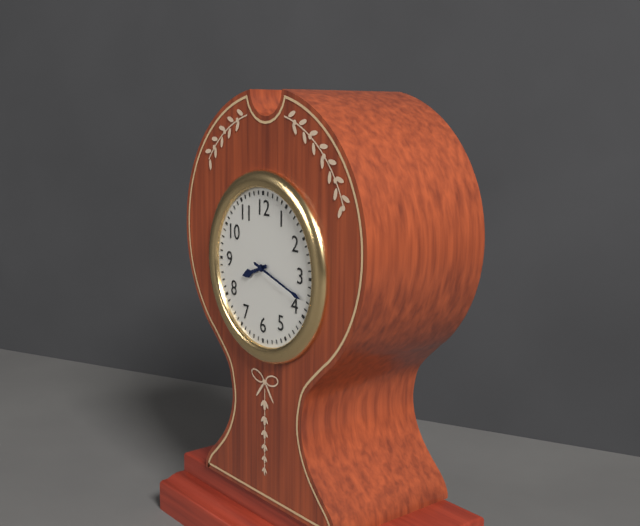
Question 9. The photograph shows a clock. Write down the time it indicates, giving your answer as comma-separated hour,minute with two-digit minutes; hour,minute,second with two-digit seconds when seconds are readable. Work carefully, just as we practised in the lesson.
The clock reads 8,18
